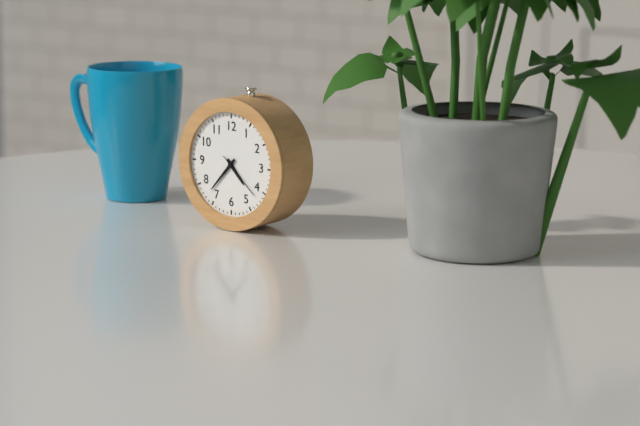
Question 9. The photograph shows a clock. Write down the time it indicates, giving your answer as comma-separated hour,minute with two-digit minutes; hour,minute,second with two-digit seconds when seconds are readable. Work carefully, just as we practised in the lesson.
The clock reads 4,37,22
